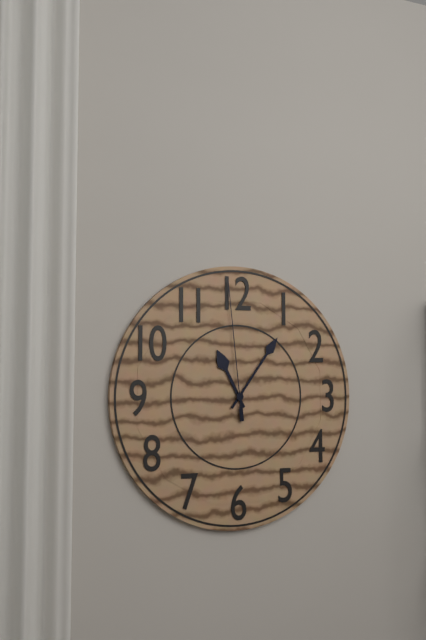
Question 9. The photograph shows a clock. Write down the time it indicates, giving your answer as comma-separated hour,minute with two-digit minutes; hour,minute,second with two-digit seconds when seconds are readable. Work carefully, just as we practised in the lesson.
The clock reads 11,06,59
